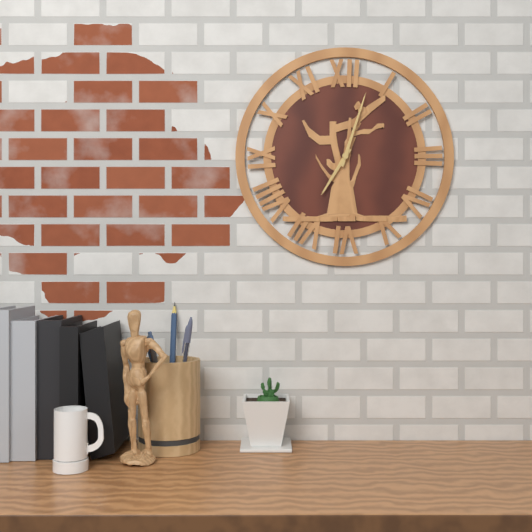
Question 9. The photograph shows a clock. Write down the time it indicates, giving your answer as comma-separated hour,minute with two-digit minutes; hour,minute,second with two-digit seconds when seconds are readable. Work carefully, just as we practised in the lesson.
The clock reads 7,03
